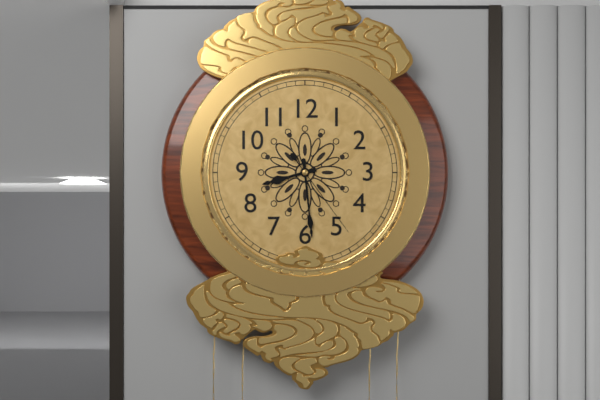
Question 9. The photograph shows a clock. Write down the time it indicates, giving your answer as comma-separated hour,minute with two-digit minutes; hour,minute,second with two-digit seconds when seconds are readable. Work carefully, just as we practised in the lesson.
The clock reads 8,29,24
